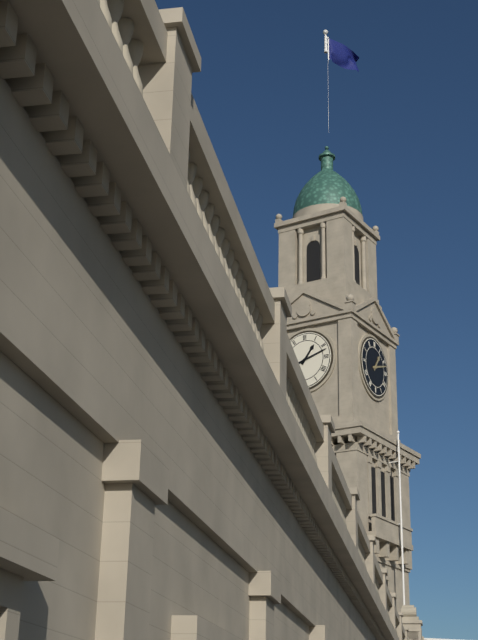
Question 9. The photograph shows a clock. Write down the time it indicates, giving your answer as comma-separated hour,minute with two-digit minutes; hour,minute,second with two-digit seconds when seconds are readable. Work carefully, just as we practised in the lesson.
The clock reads 1,12
